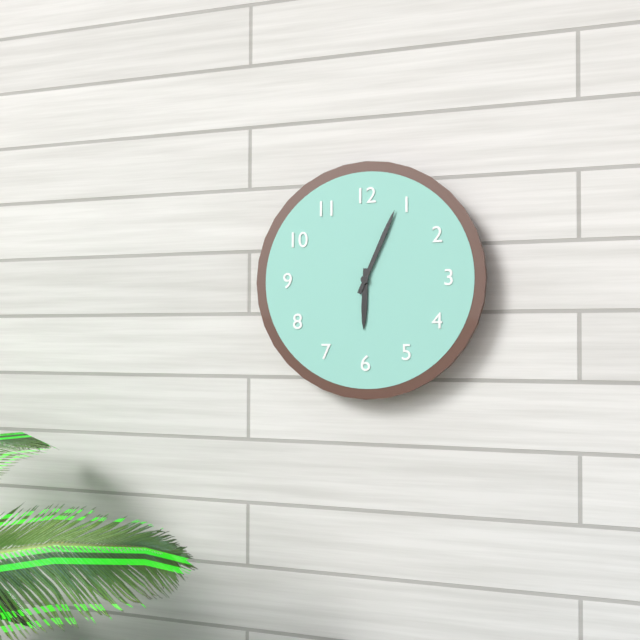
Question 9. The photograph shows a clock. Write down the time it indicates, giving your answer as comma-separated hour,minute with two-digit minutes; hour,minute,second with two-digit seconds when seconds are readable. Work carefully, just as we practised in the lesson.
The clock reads 6,04
